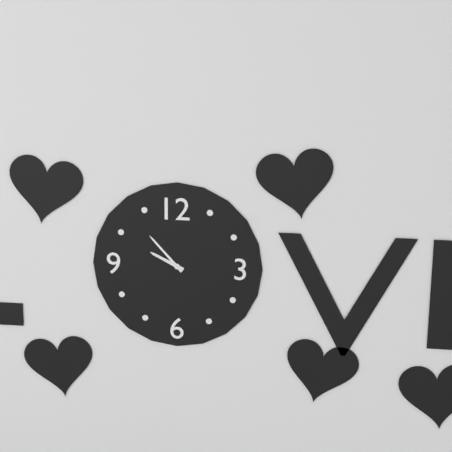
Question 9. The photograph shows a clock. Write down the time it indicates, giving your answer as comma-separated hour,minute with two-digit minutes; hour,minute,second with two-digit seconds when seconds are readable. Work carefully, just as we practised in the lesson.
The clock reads 9,53
